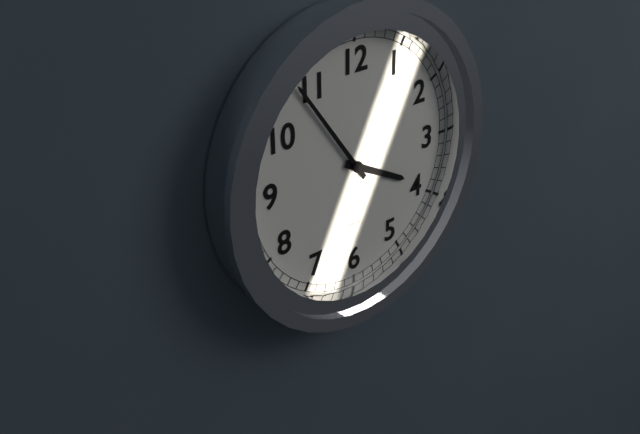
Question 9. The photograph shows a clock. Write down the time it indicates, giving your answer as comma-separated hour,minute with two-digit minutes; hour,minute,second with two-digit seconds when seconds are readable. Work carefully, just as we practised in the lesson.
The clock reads 3,54
